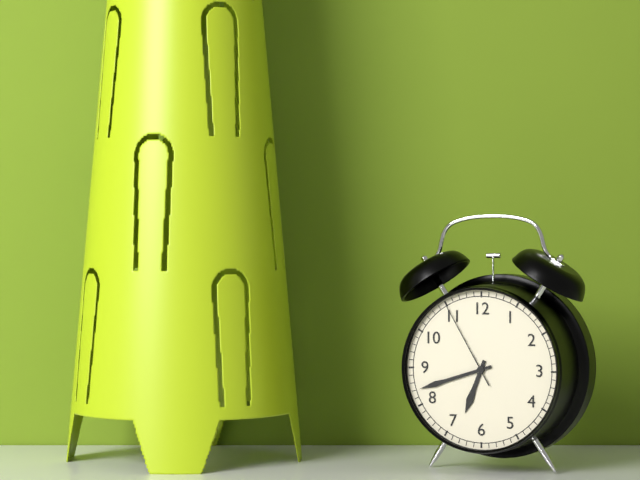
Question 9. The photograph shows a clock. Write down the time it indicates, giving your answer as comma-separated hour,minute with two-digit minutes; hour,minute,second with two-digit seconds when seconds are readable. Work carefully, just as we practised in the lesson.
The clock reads 6,42,55
